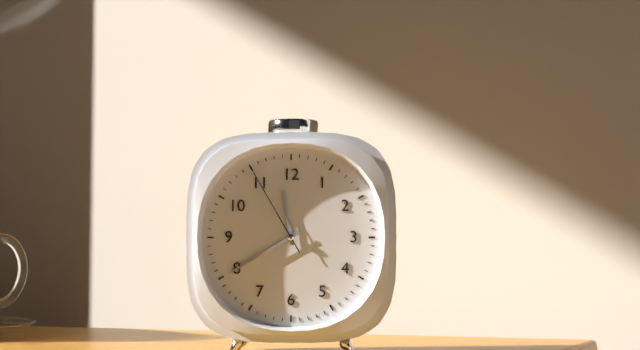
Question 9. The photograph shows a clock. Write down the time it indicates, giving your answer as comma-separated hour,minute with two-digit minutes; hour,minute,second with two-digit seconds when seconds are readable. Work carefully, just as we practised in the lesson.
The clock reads 11,40,55
